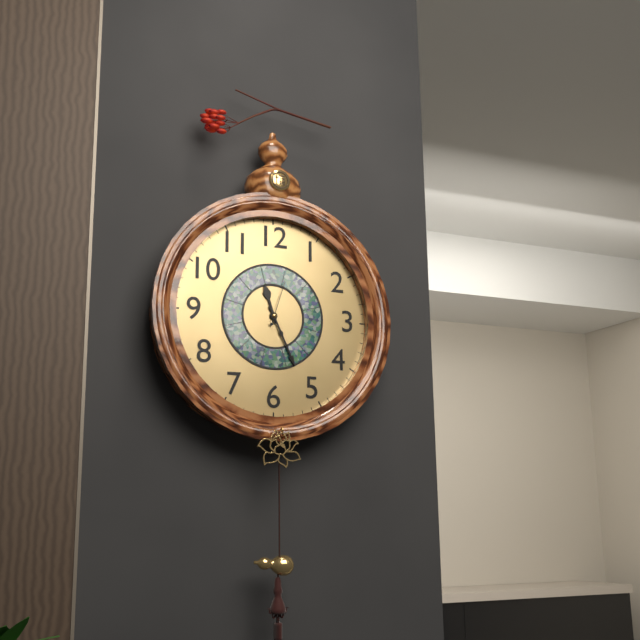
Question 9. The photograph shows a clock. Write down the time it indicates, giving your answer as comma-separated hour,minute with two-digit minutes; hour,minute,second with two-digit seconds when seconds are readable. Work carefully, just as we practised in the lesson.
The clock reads 11,26,03
